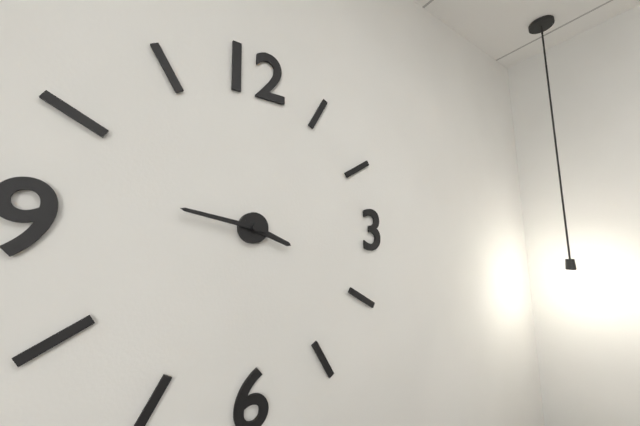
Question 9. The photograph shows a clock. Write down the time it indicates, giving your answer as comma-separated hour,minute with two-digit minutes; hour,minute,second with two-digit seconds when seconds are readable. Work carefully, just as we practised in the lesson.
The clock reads 3,47
